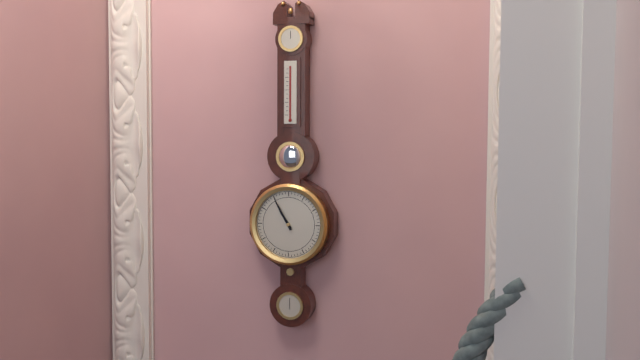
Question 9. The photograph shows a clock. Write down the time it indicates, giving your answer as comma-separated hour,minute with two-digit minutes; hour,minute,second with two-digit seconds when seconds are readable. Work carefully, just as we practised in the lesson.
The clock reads 10,55
